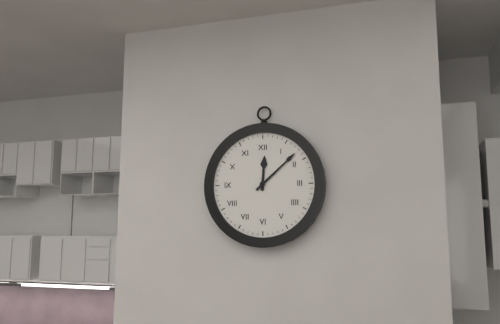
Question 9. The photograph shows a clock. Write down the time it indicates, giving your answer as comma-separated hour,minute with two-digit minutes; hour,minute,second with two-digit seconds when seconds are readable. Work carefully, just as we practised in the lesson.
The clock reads 12,08
